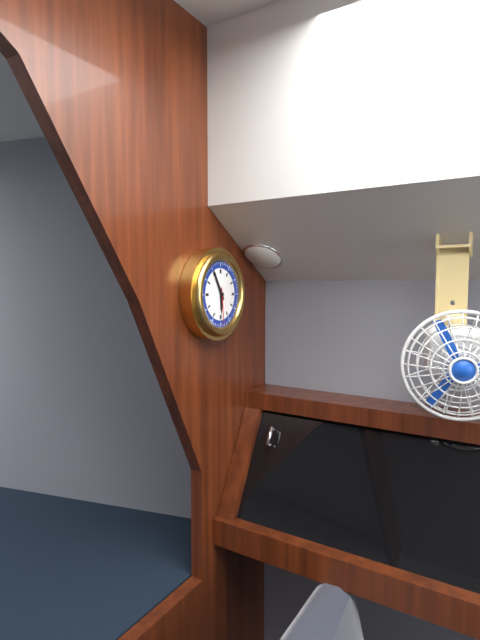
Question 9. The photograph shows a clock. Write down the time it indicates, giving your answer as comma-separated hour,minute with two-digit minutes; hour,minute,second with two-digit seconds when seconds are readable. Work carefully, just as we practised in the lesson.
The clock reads 5,55
